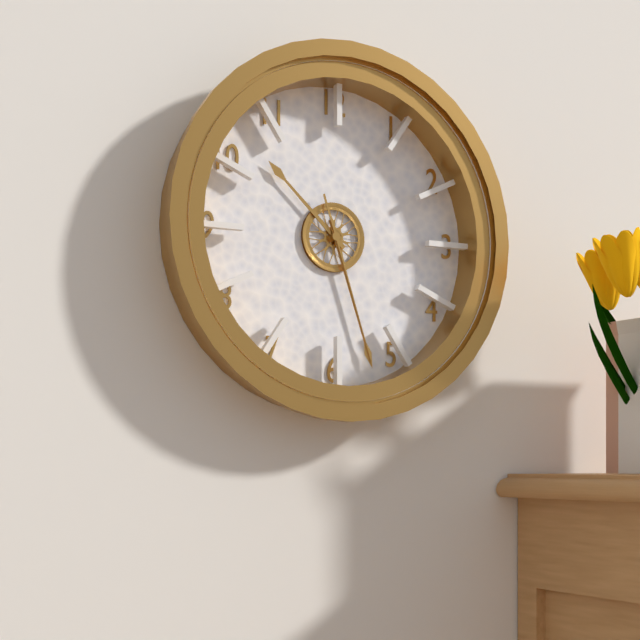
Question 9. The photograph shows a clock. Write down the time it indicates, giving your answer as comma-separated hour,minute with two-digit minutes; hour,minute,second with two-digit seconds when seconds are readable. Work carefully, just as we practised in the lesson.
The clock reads 10,27,27
